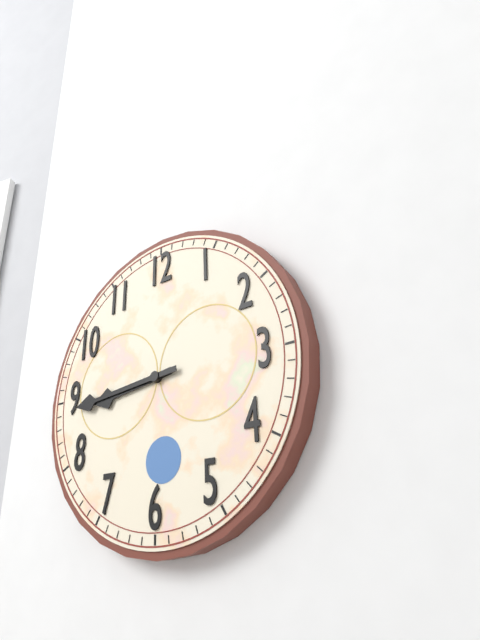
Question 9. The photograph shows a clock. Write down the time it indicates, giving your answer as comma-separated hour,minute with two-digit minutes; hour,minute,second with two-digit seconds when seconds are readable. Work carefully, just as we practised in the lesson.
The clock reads 8,44
